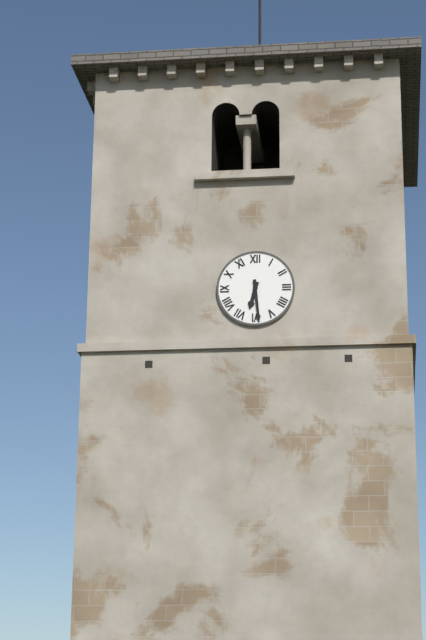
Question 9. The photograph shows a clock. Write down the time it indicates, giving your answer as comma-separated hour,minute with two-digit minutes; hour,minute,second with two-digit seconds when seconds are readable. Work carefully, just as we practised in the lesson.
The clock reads 6,29
